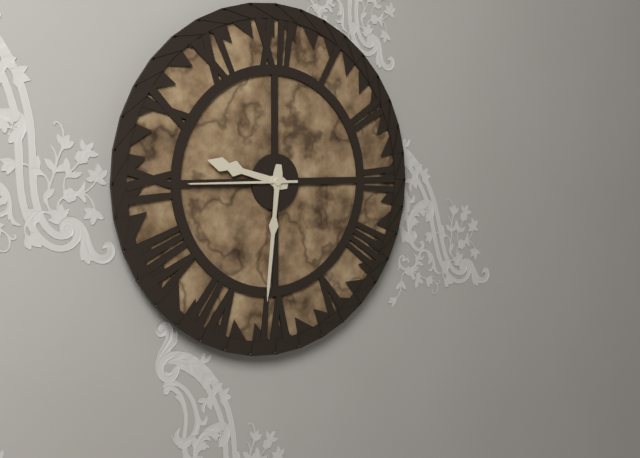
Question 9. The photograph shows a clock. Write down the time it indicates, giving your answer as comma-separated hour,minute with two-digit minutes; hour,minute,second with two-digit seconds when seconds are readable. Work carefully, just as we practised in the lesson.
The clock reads 9,31,45
